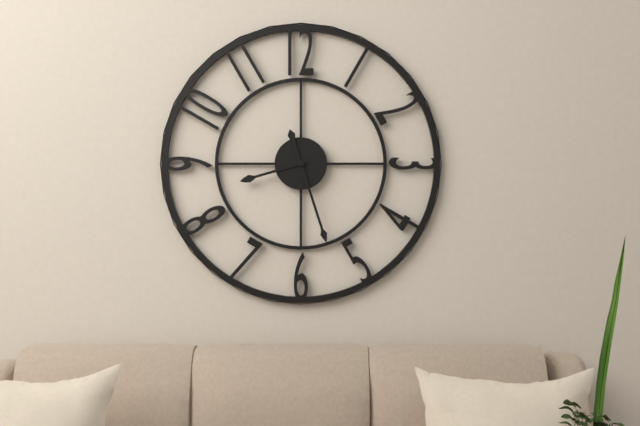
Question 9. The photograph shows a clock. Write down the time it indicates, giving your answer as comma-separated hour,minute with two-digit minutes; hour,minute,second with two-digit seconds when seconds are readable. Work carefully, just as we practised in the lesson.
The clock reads 8,27
